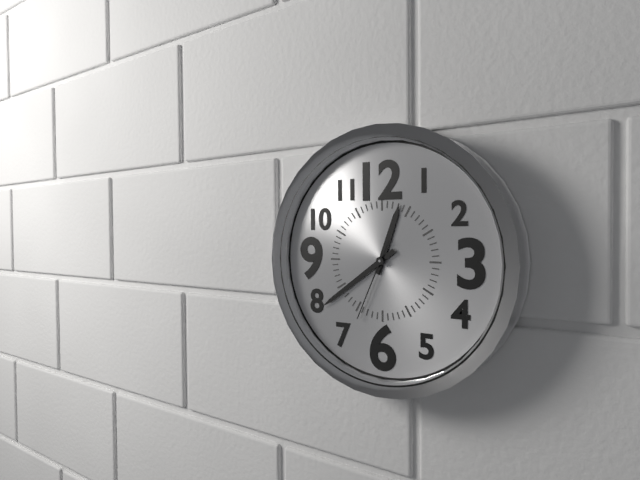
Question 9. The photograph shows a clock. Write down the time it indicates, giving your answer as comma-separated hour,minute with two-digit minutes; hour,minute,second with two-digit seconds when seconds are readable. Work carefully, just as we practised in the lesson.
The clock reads 12,39,34
